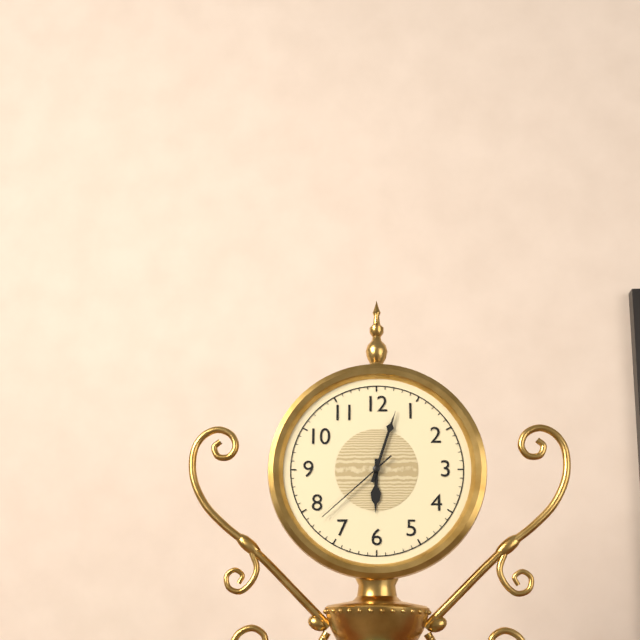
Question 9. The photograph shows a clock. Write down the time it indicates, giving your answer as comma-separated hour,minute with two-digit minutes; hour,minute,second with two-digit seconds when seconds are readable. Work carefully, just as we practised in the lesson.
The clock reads 6,03,38
